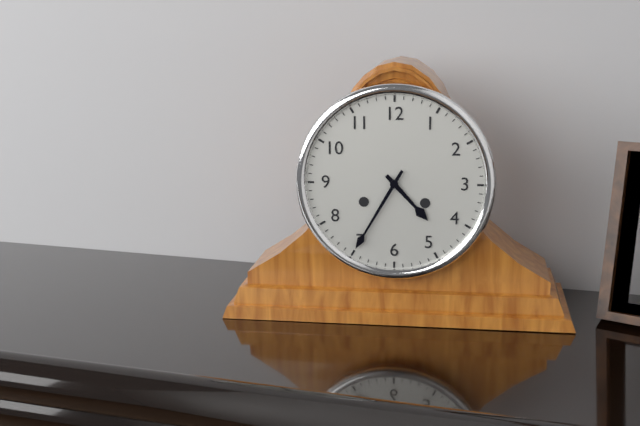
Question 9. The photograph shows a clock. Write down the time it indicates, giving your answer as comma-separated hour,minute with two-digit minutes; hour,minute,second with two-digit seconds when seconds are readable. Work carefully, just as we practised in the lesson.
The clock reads 4,35
